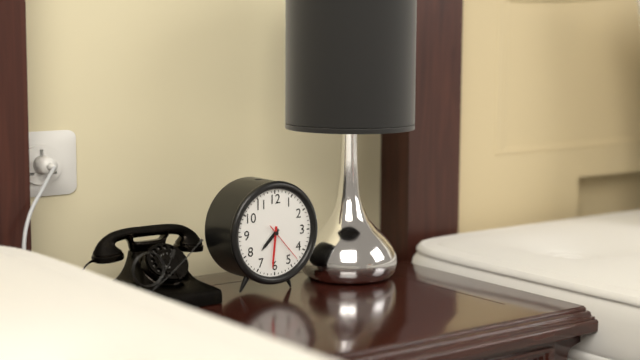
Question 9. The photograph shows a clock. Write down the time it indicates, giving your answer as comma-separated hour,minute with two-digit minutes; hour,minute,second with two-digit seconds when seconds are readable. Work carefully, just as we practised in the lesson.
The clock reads 7,31
